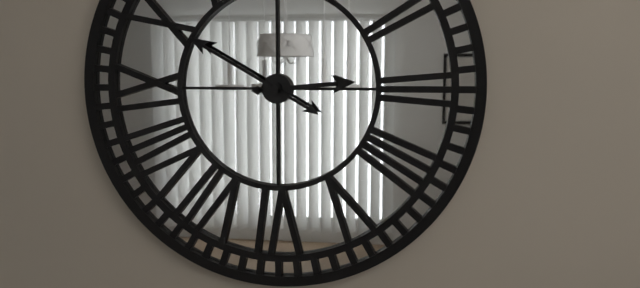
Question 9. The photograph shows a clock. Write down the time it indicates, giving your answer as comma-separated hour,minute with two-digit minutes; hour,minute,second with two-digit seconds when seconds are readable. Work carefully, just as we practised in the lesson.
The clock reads 2,50
